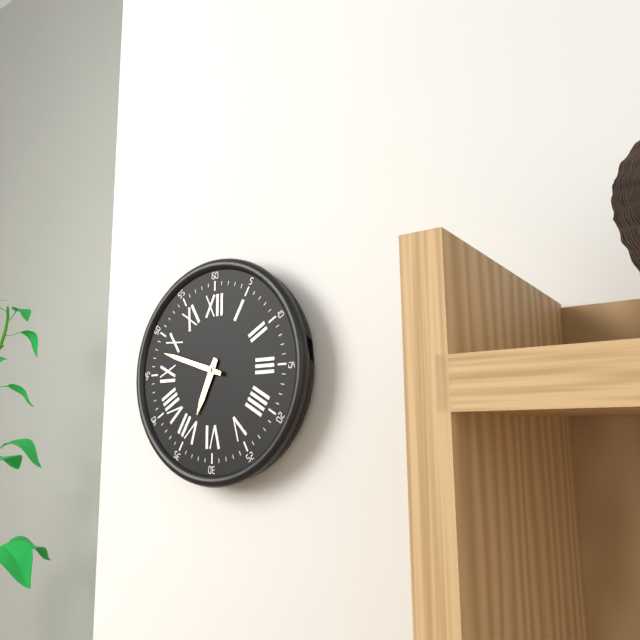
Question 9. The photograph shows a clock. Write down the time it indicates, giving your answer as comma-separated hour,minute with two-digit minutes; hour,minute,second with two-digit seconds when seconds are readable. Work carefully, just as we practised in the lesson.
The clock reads 6,48
